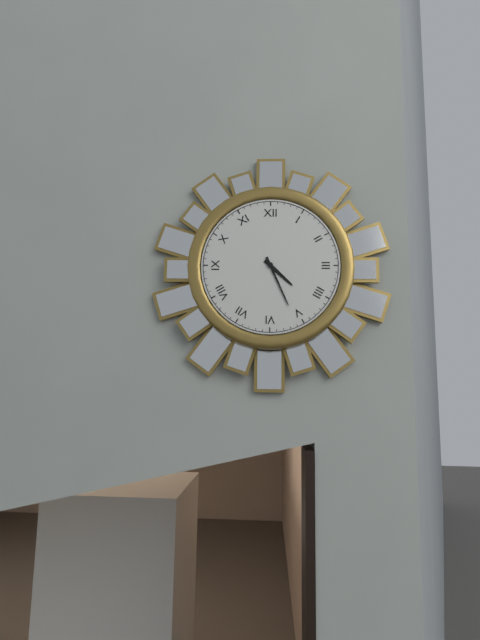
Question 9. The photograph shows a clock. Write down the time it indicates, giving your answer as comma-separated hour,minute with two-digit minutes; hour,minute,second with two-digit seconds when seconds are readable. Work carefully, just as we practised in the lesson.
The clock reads 4,26
